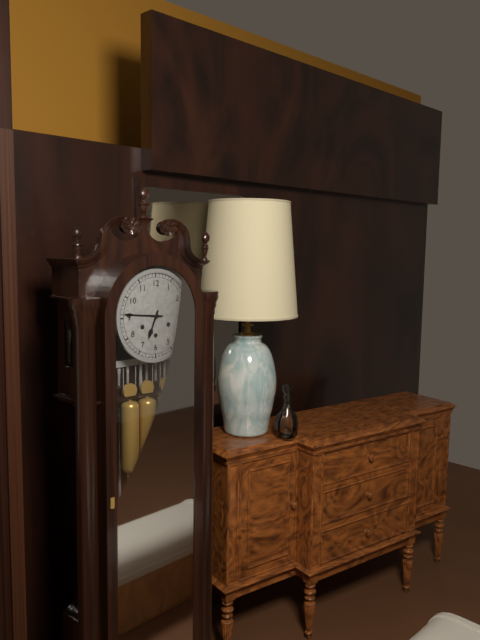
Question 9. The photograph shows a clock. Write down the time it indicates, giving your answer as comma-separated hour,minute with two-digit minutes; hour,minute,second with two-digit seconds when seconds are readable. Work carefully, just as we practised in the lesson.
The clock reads 6,46
